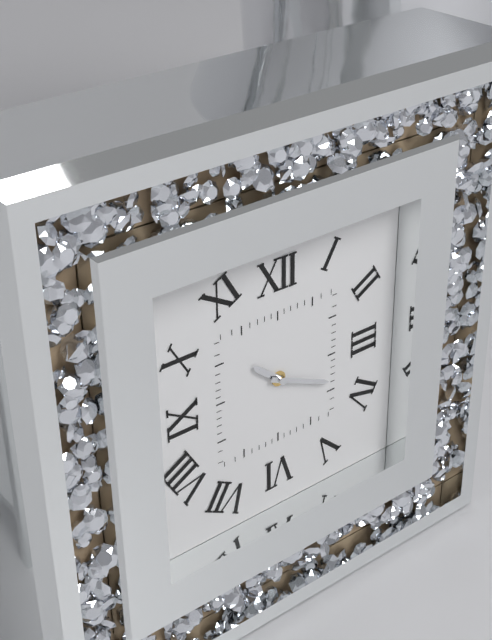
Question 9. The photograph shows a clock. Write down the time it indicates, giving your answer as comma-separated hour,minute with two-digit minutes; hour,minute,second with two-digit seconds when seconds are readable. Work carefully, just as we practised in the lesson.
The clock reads 10,19
